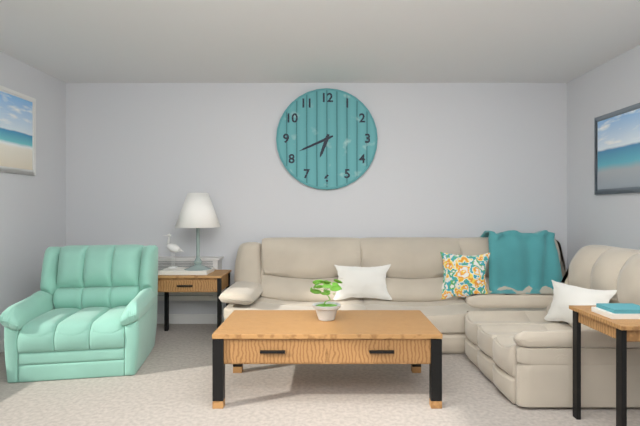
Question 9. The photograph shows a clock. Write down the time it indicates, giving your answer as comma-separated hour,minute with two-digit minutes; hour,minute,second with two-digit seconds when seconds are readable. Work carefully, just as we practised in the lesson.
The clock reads 6,41
